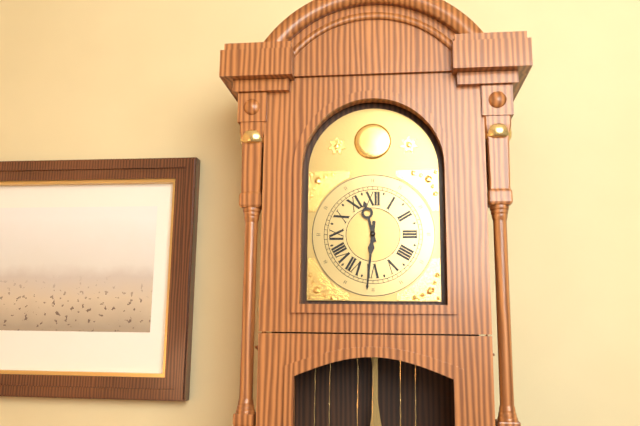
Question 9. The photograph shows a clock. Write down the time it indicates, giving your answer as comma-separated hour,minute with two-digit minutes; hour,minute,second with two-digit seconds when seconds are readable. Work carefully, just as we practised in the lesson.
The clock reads 11,31
